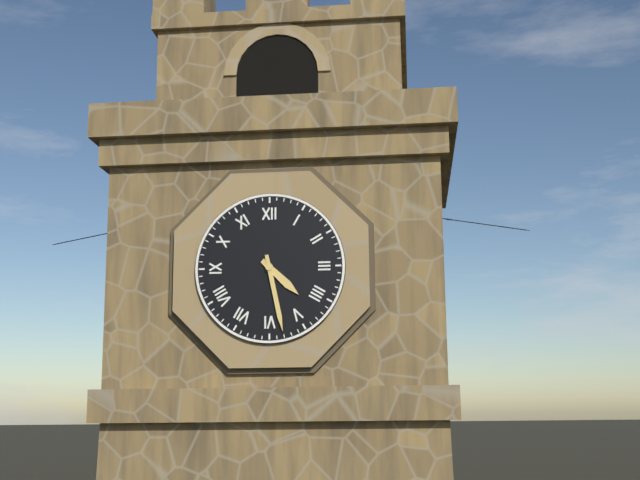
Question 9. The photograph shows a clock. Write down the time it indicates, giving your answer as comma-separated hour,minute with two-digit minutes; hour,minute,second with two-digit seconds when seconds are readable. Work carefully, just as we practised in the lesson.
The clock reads 4,28
